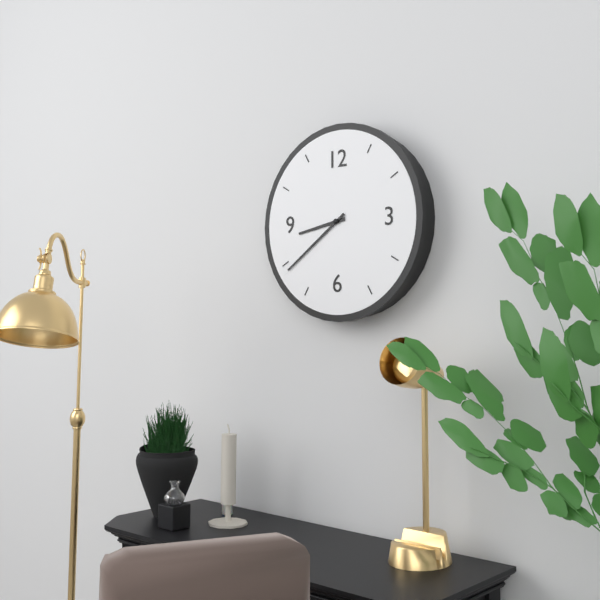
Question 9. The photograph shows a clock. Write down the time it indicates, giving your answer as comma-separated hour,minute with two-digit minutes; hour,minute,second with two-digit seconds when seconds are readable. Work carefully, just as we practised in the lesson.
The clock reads 8,39
